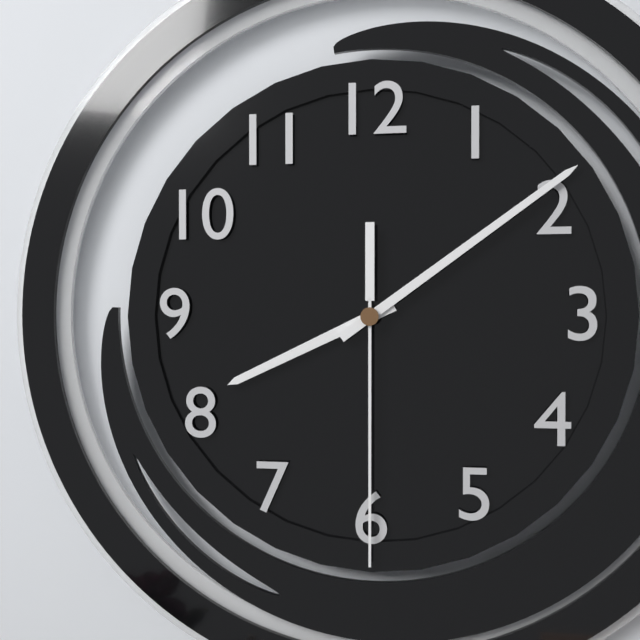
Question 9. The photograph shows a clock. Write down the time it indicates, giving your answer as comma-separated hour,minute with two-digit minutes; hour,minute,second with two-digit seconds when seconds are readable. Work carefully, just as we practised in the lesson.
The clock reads 8,09,30
